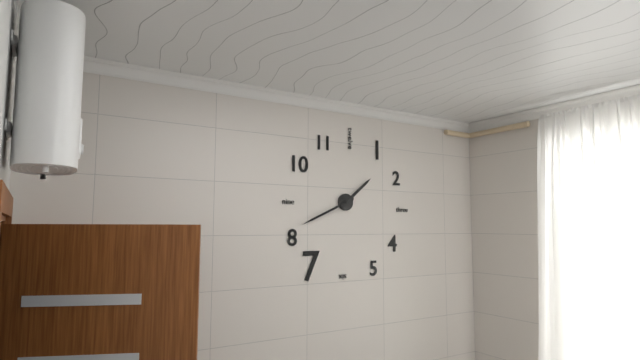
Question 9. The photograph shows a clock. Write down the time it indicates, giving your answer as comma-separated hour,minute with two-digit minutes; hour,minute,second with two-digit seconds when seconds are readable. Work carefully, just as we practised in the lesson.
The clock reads 1,41
